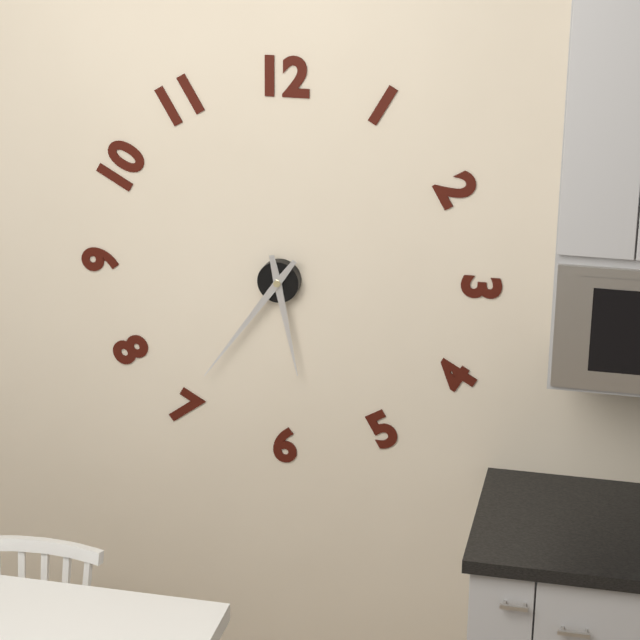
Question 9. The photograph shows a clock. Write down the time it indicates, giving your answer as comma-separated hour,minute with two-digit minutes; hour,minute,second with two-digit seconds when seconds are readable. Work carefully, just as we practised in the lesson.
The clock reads 5,36
